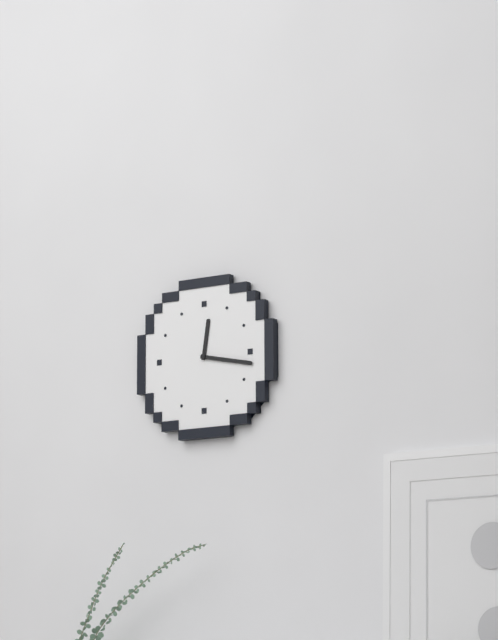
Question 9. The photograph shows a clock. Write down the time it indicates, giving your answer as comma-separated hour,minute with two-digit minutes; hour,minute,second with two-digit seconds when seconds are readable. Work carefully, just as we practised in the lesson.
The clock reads 12,17
